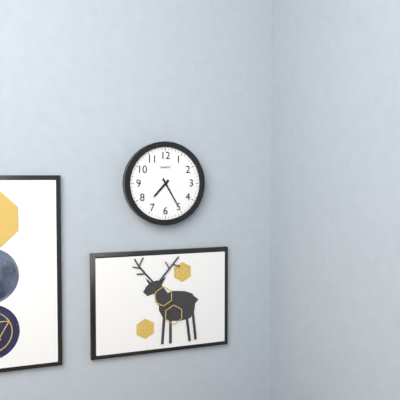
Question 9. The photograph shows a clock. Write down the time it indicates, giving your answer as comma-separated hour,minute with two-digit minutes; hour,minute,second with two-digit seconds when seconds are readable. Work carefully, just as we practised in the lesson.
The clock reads 7,25
